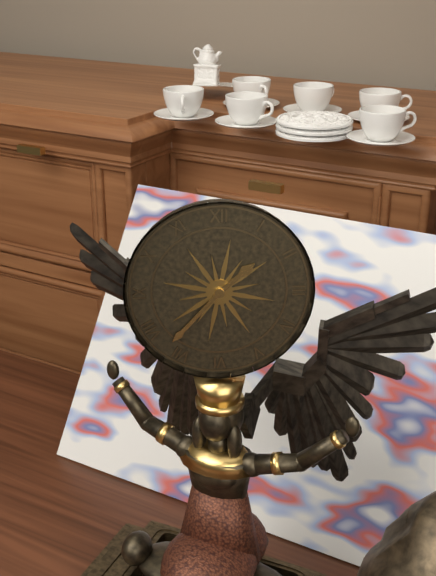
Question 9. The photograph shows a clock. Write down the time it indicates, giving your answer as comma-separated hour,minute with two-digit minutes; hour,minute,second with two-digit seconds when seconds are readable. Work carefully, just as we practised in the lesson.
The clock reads 1,37
